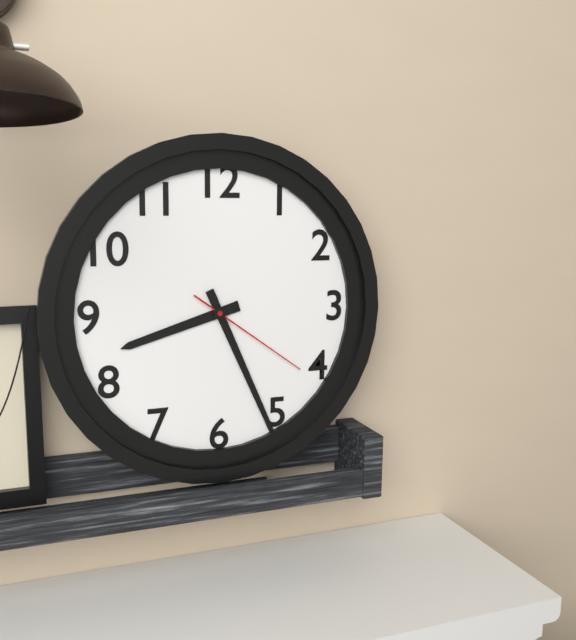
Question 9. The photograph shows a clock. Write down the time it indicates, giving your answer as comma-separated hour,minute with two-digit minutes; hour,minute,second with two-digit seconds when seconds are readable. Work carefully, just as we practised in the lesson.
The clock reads 8,26,21
